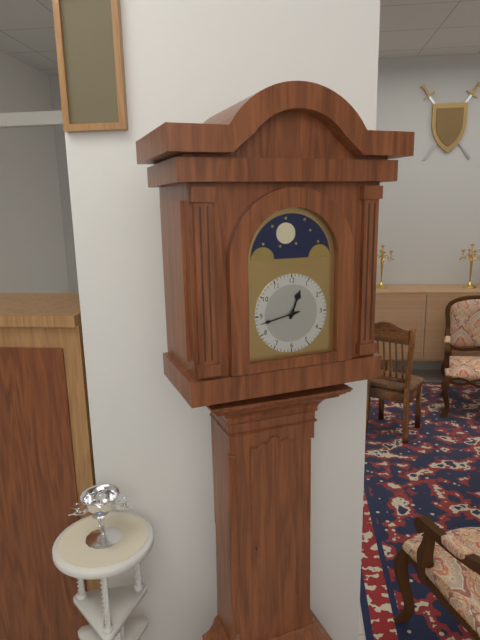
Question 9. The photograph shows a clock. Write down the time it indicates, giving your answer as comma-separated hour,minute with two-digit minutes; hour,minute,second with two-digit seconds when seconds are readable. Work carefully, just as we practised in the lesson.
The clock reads 12,43
